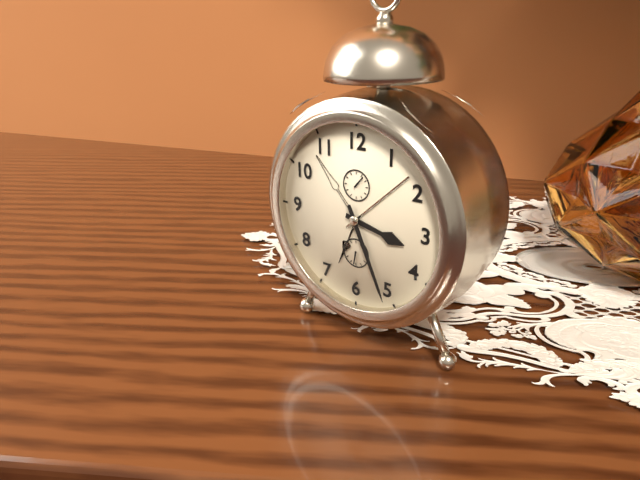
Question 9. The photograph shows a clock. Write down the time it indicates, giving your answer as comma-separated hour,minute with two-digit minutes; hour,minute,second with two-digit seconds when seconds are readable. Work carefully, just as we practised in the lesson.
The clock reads 3,26
